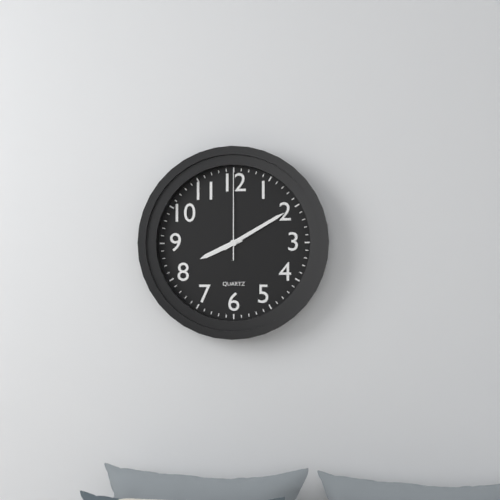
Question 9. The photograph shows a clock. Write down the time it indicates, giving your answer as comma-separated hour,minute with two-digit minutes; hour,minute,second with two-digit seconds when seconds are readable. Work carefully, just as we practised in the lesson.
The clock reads 8,10,00
